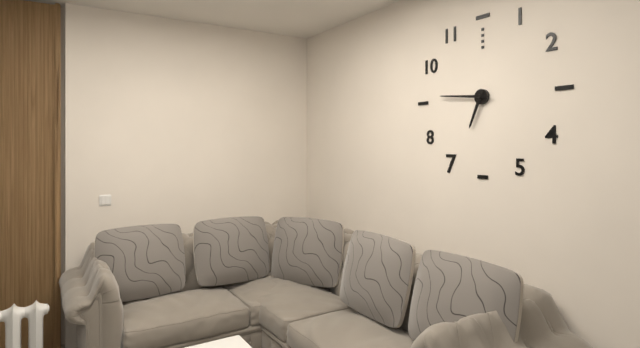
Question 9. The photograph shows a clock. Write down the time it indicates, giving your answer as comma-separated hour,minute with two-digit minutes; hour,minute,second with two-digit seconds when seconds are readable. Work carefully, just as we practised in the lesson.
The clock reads 6,46
